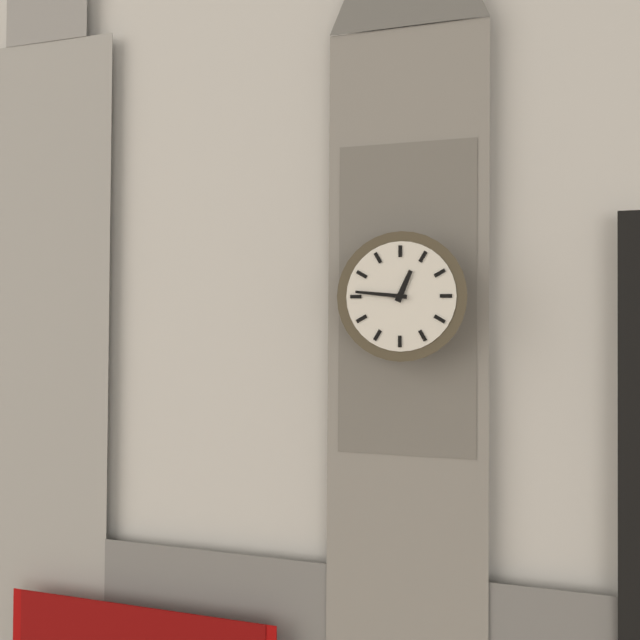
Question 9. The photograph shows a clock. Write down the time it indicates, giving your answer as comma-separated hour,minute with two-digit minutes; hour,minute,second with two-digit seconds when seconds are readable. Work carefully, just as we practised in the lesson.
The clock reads 12,46
